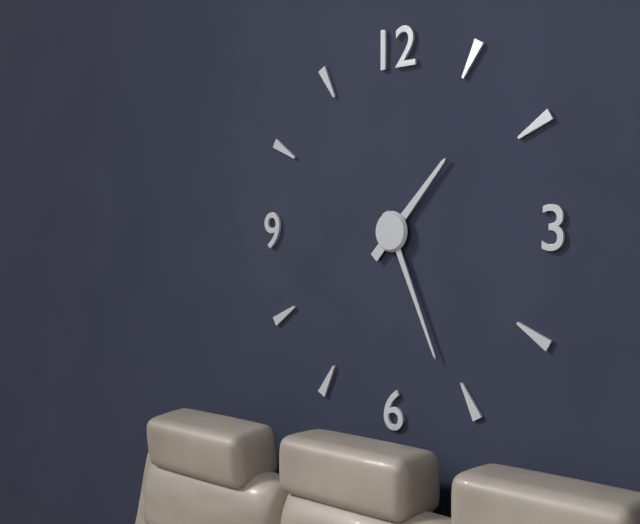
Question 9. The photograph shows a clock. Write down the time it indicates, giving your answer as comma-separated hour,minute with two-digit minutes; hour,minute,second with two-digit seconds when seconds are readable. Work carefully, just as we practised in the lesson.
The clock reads 1,26
